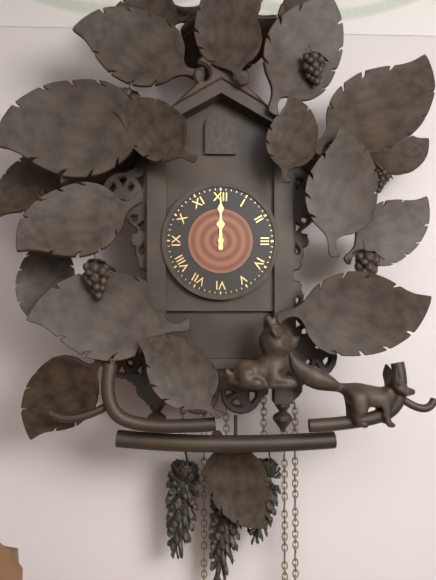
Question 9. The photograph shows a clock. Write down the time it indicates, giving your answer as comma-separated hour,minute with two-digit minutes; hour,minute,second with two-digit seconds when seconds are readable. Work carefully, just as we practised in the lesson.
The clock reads 12,00
